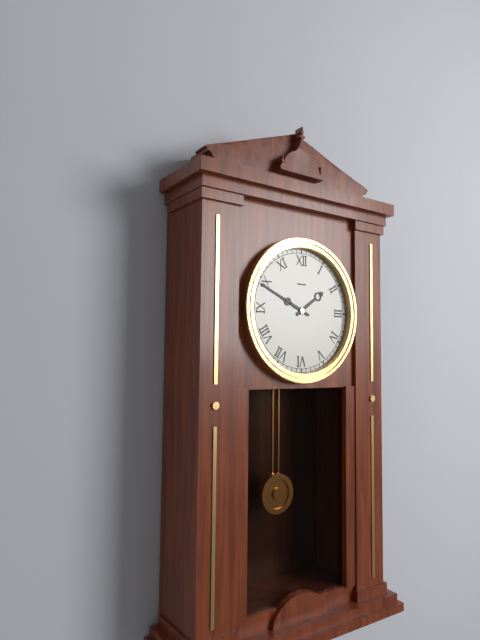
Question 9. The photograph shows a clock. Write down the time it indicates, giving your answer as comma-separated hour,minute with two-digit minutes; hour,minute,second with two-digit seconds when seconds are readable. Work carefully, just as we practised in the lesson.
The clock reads 1,49
